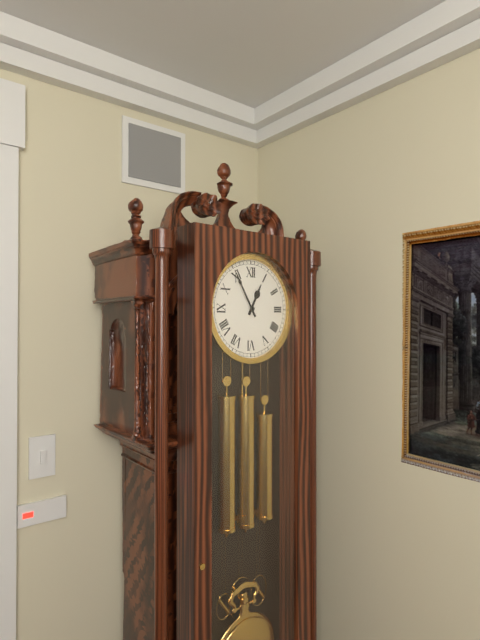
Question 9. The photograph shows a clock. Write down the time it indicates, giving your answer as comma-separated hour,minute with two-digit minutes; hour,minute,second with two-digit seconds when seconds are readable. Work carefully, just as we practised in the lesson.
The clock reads 12,55
